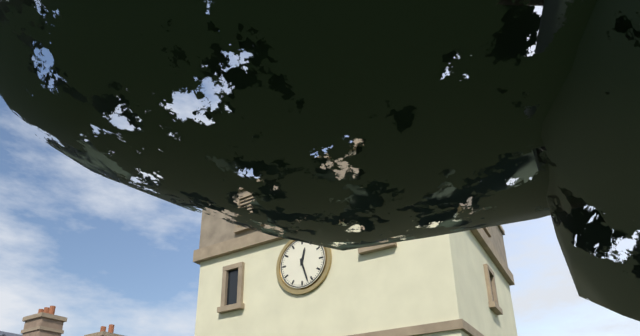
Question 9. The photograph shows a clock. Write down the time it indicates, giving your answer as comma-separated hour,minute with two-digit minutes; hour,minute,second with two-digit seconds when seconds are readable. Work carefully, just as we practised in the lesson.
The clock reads 12,27
